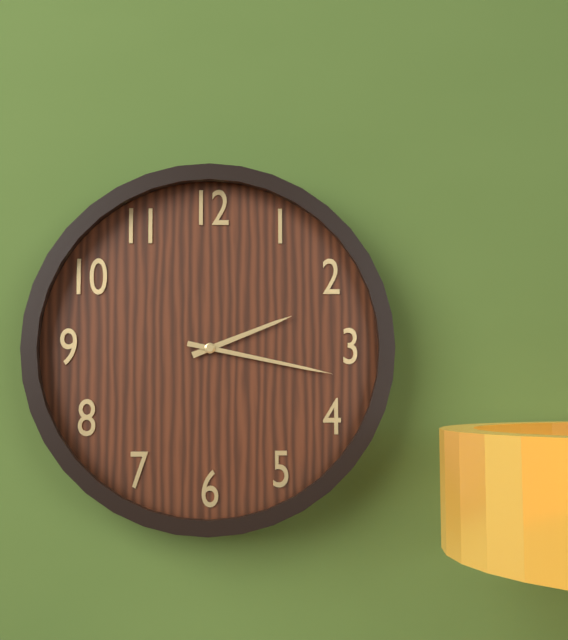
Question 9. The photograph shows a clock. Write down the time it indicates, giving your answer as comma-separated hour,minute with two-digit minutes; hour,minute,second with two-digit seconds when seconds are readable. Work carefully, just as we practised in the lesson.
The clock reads 2,17
